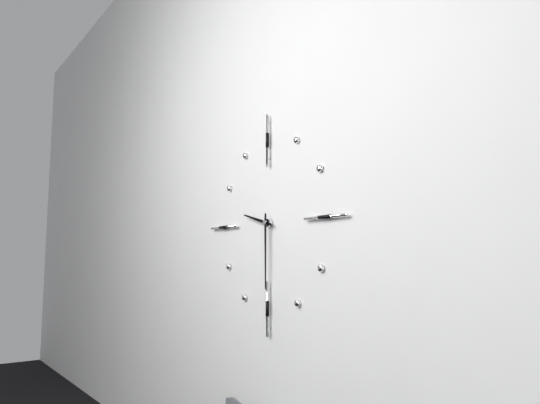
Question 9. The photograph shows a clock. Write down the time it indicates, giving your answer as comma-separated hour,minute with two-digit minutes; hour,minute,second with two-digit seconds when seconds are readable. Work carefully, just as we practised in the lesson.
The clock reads 9,30
